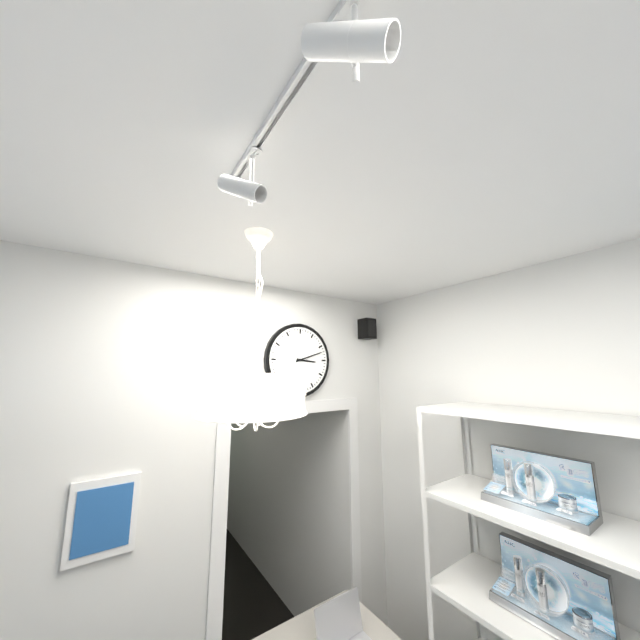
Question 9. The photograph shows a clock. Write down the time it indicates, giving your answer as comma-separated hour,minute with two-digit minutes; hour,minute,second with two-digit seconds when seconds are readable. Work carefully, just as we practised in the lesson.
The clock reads 3,12
